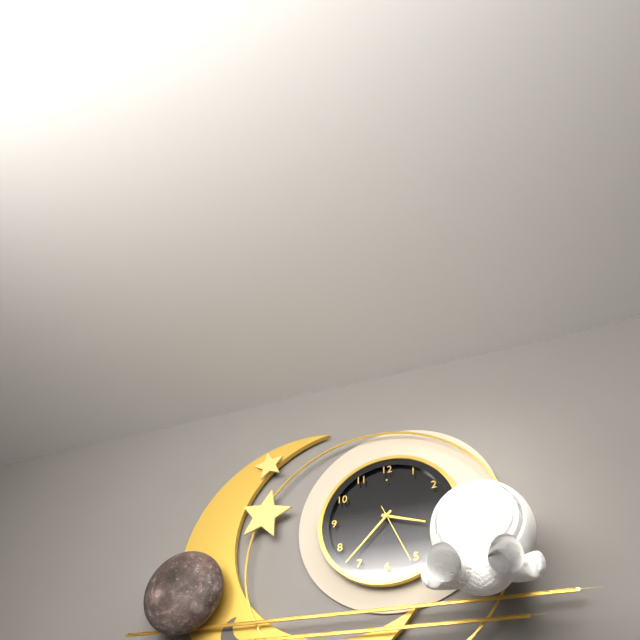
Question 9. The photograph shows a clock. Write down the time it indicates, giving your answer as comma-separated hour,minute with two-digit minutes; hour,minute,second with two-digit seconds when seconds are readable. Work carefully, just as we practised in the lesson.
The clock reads 3,37,26
